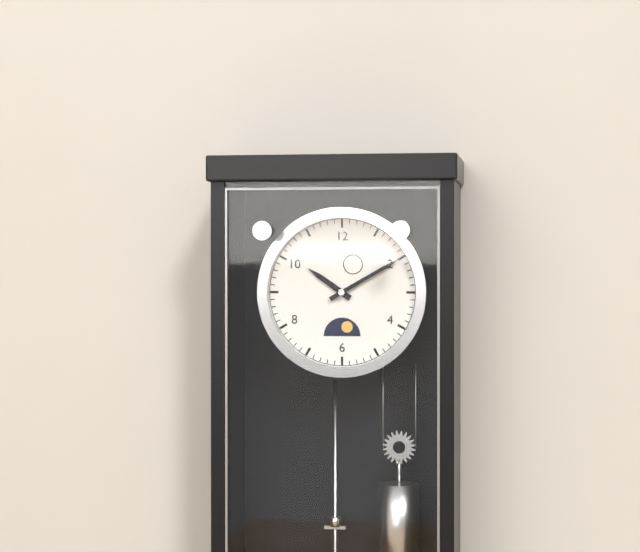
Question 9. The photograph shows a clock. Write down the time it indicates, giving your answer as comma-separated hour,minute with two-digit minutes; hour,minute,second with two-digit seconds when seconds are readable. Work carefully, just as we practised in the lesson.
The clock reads 10,10
